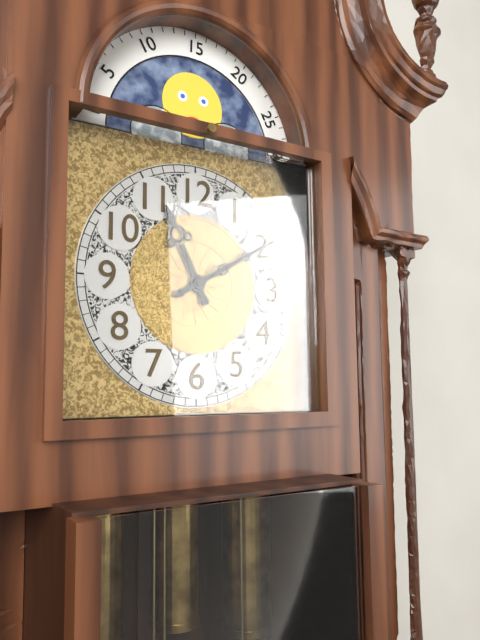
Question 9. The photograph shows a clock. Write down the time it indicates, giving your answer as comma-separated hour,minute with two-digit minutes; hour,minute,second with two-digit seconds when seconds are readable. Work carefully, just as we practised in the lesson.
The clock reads 11,10
